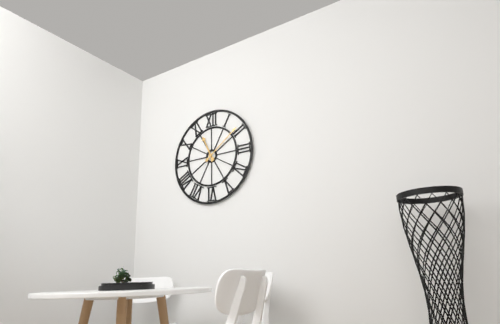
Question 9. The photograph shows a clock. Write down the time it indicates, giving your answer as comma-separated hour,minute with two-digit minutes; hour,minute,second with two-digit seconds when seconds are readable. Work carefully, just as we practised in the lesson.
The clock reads 11,09
